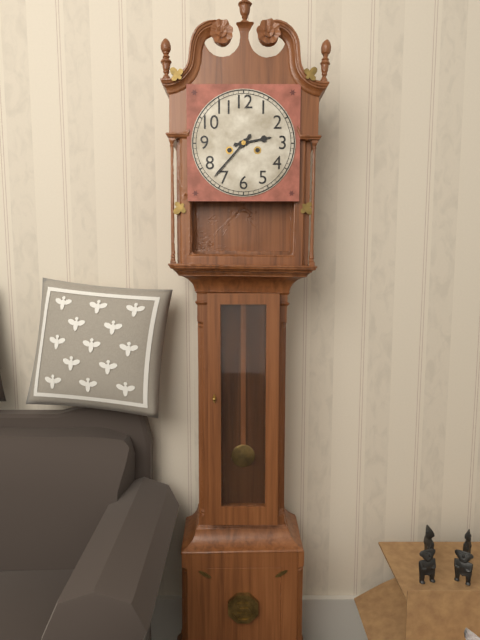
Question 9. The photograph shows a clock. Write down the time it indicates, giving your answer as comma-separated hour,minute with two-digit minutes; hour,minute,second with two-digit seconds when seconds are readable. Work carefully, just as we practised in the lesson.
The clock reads 2,37
